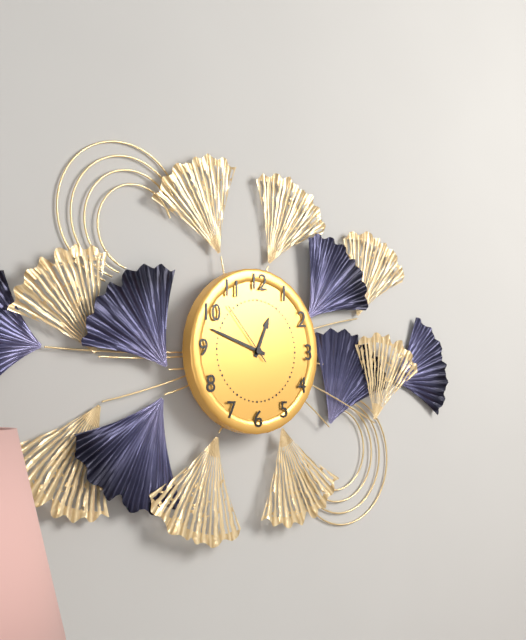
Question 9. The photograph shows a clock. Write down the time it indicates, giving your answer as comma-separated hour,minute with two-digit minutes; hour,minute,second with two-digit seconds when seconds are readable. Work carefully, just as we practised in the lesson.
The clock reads 12,48,53
